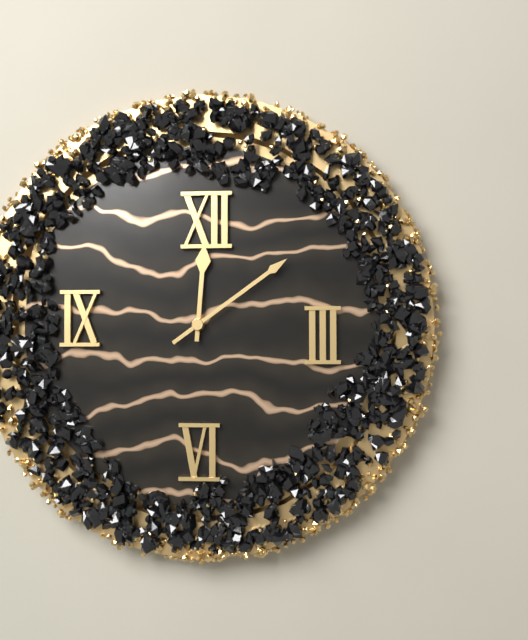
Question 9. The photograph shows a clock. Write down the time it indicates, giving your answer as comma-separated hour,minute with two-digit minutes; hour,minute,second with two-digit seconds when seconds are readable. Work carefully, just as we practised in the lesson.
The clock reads 12,09
